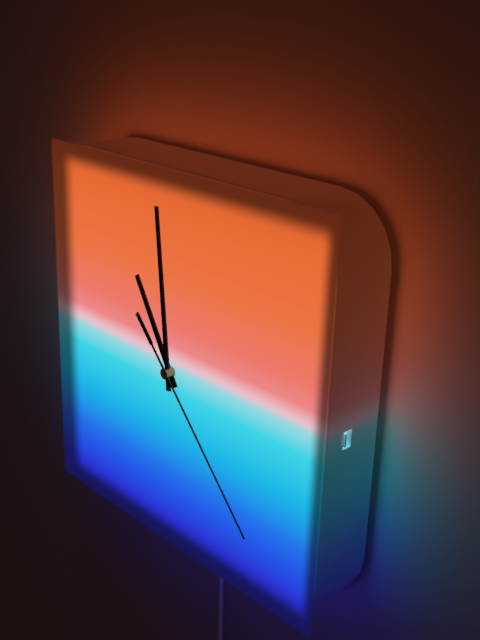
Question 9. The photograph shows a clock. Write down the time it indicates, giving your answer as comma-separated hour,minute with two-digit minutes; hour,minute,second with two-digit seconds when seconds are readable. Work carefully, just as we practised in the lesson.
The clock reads 10,59,23
